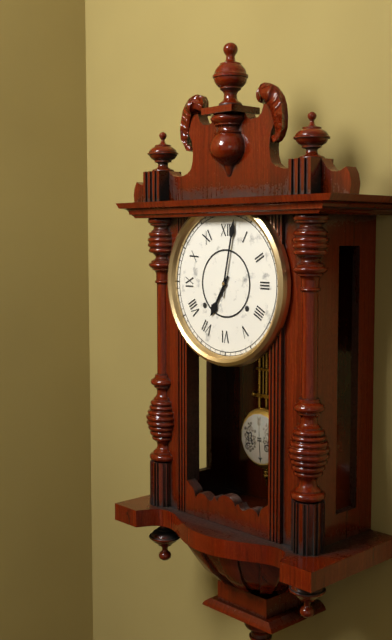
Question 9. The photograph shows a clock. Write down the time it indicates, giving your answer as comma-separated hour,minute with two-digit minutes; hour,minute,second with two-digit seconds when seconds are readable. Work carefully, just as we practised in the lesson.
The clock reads 7,02
